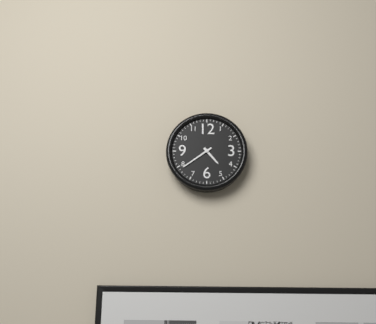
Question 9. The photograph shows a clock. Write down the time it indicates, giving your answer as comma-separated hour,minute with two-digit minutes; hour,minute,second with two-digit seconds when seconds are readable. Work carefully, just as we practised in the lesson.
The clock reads 4,39
